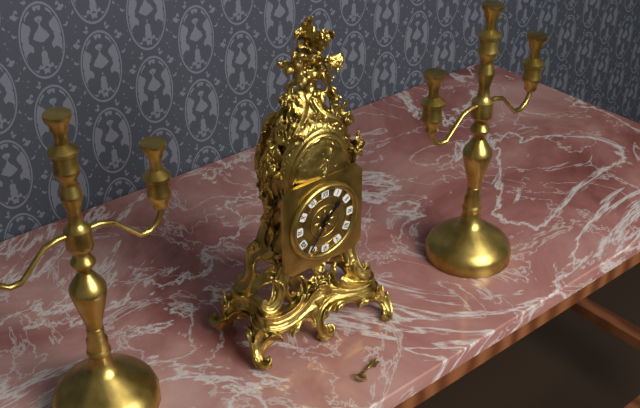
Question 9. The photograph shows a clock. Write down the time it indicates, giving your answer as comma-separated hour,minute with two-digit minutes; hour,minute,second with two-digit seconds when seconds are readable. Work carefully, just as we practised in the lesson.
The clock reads 1,36
